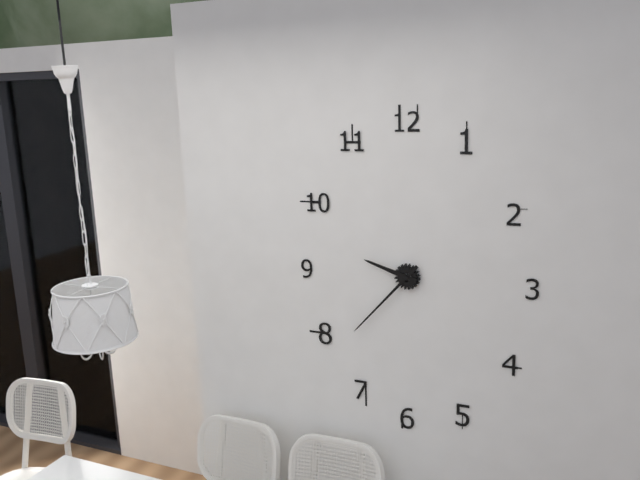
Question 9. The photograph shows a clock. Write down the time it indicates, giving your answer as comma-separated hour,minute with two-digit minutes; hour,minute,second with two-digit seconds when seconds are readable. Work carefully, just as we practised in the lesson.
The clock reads 9,37
